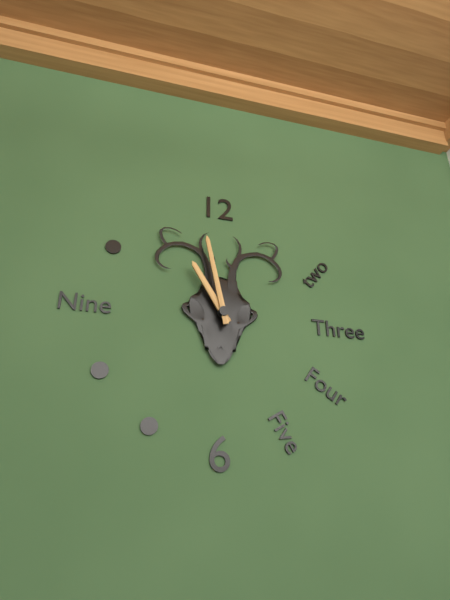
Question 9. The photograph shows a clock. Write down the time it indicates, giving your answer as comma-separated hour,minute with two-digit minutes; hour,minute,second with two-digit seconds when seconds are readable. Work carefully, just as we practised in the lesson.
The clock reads 10,58
